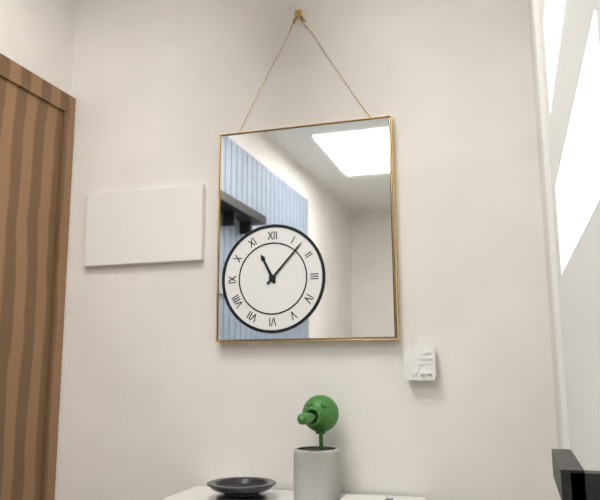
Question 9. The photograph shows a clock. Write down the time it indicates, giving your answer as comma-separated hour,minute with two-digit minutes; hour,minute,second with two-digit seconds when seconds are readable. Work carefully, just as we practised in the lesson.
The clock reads 11,07
